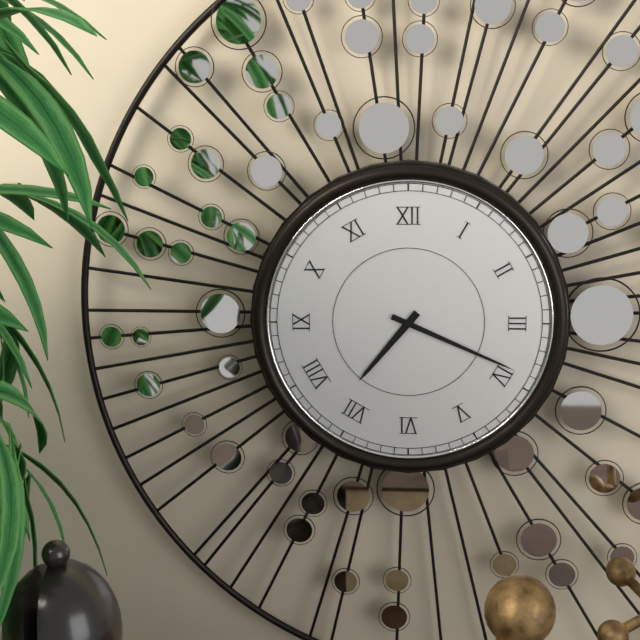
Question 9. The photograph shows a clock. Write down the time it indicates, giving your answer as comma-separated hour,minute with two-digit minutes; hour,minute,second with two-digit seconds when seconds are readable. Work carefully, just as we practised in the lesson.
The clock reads 7,19
